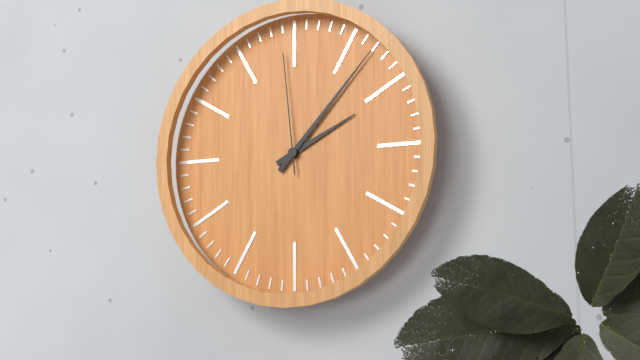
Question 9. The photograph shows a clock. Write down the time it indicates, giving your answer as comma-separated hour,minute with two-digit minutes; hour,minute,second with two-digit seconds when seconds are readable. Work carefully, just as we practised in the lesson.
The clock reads 2,07,59
